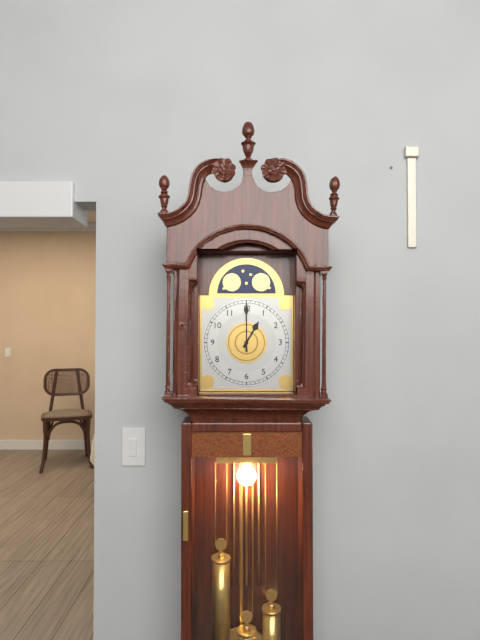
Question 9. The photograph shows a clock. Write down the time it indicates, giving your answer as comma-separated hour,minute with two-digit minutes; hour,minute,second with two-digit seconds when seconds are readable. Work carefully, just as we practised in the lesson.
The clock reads 1,00
